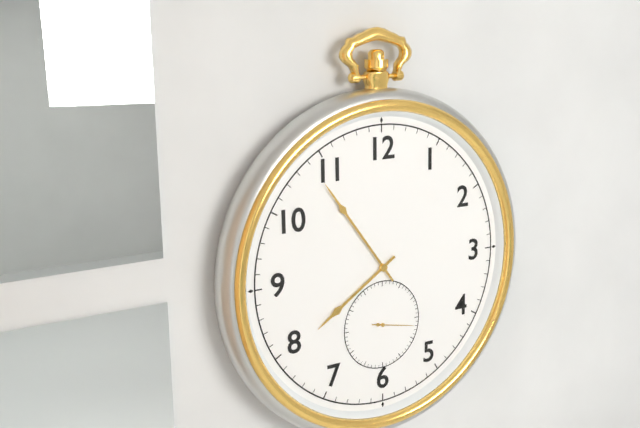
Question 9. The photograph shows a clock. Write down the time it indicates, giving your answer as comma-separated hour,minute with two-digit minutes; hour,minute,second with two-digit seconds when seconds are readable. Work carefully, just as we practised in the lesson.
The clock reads 7,54
